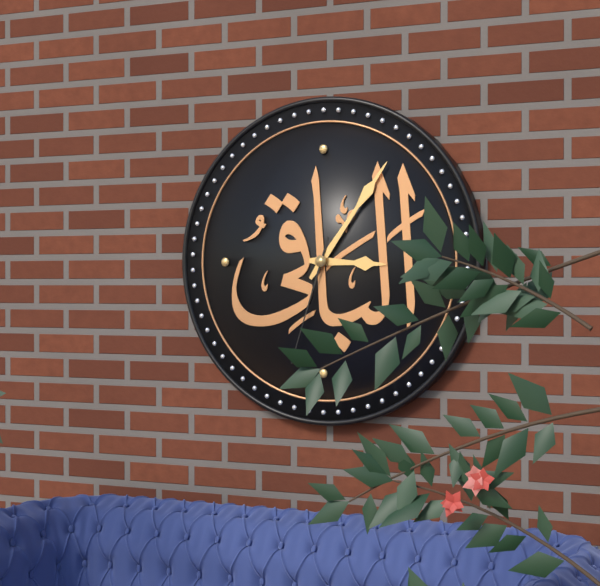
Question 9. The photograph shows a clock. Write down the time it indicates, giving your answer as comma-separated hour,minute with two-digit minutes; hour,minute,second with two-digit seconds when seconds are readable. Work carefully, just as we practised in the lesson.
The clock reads 3,06,33
